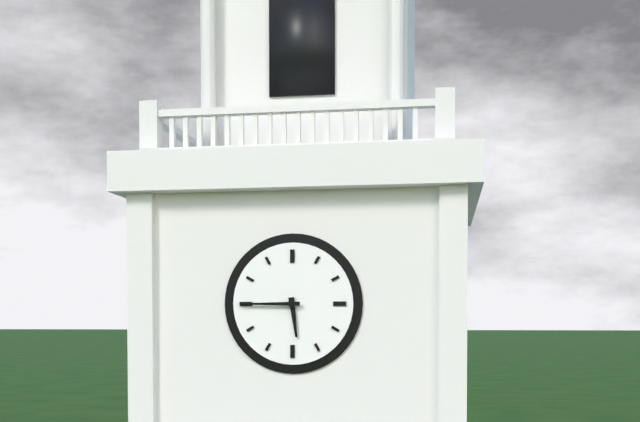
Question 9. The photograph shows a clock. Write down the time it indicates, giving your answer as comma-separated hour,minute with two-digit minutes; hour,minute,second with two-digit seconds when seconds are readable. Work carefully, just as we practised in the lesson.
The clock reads 5,45
